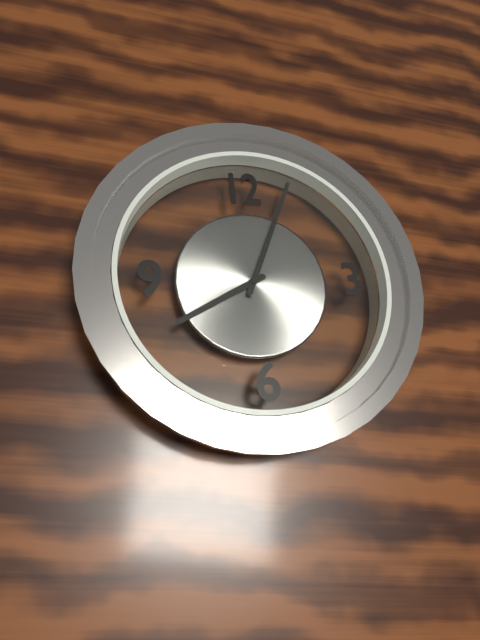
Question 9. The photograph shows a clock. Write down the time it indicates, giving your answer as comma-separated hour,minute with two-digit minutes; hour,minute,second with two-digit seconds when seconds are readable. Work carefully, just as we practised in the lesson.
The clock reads 8,04
